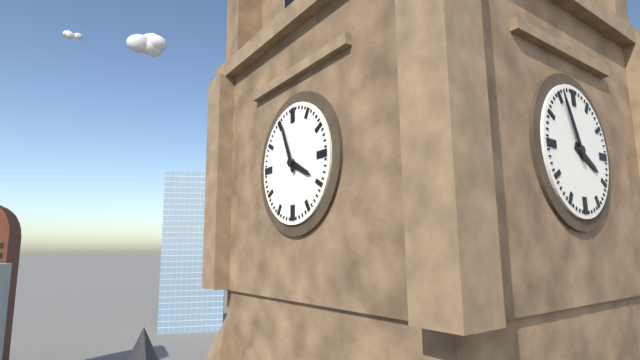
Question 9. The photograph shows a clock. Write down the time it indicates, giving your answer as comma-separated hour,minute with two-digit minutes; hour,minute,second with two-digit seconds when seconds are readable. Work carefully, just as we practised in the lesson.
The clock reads 3,56
